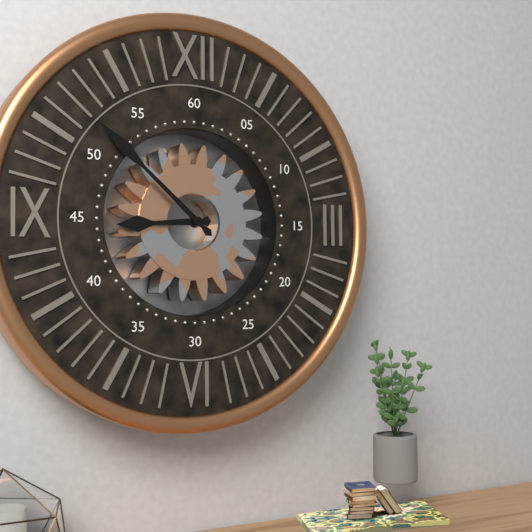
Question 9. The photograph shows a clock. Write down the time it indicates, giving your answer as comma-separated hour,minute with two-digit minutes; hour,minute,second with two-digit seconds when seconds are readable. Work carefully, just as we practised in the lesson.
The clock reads 8,52
